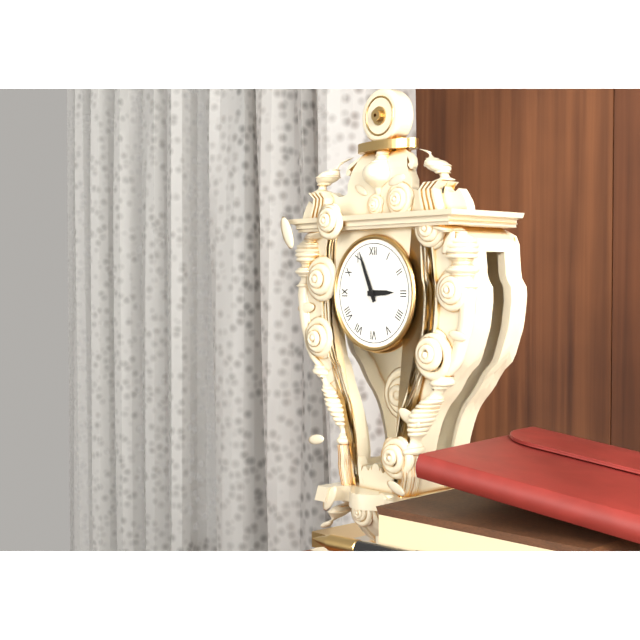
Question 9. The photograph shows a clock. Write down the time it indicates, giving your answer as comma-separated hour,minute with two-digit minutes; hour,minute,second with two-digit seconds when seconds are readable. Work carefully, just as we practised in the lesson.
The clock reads 2,56
